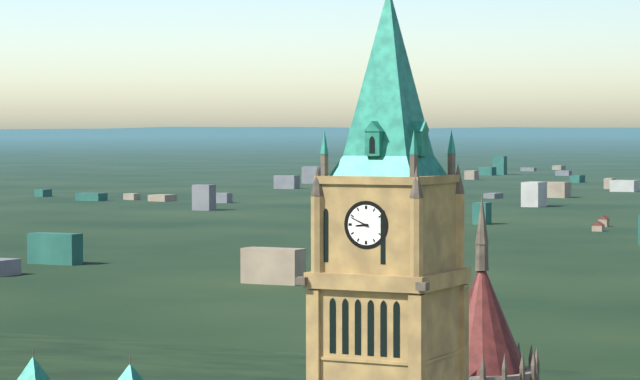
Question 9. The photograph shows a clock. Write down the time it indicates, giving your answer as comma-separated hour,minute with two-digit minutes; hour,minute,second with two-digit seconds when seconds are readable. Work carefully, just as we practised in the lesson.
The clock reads 8,49
